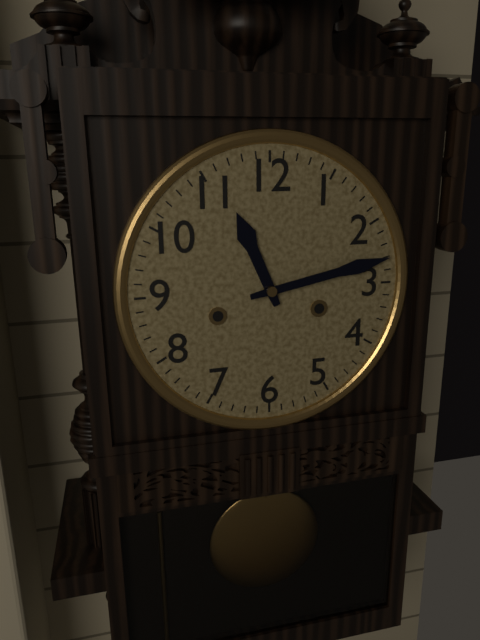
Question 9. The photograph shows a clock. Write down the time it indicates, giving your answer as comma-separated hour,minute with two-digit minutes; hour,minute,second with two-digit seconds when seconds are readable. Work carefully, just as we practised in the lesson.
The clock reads 11,13
